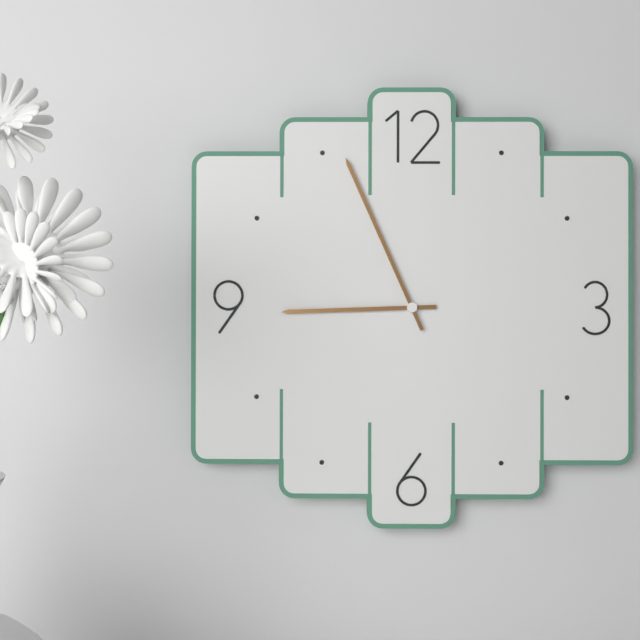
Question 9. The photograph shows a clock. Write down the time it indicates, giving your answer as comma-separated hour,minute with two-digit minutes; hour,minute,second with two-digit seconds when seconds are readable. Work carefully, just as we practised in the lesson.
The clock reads 8,56
